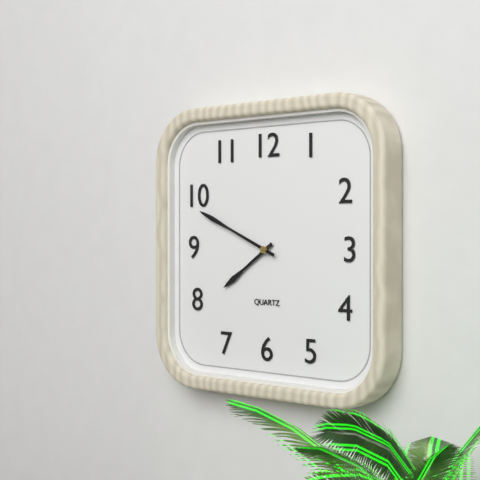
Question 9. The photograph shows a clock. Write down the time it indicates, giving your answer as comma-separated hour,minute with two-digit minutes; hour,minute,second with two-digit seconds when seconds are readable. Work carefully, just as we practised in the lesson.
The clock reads 7,49
